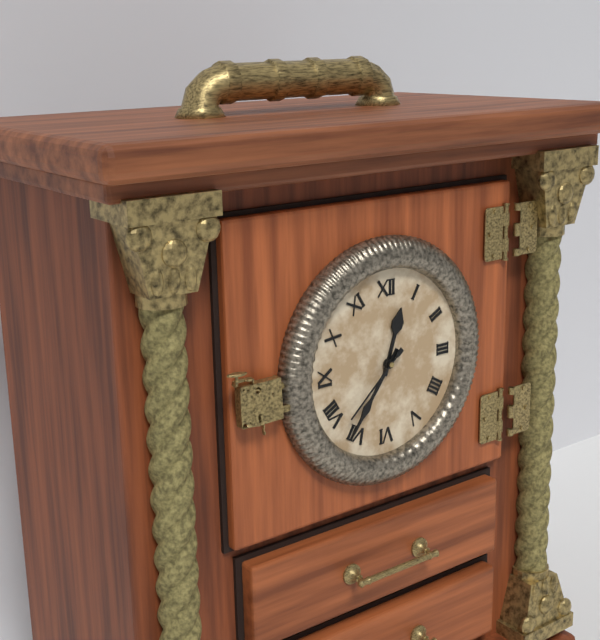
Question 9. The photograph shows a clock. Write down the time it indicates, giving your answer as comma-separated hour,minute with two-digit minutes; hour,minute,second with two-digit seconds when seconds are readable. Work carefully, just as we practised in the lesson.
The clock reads 12,36,38
